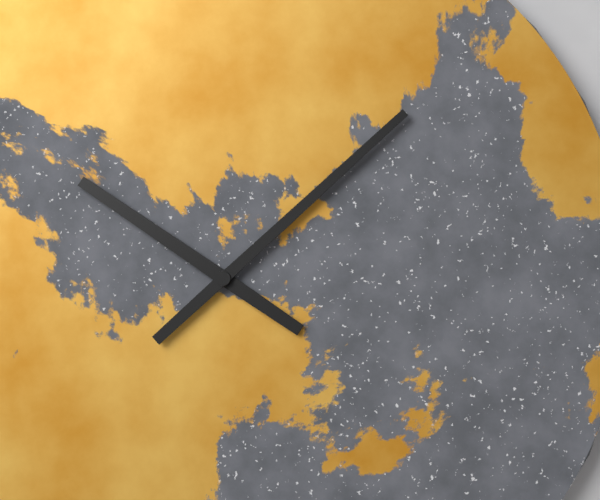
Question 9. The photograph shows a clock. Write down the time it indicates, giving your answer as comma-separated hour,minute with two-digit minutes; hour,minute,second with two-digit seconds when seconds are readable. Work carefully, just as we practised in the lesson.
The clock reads 10,08
